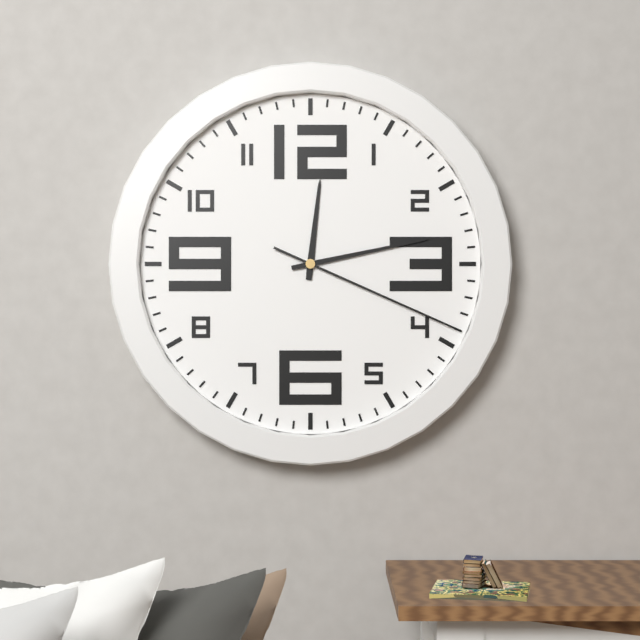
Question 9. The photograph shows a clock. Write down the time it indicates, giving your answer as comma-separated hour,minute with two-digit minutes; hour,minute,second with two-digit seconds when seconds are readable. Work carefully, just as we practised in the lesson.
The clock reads 12,13,19
